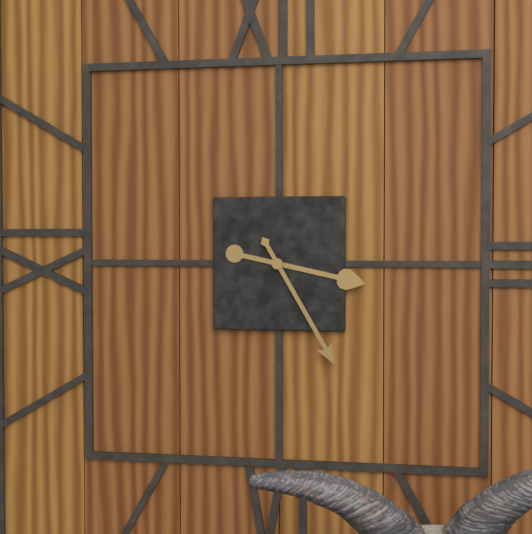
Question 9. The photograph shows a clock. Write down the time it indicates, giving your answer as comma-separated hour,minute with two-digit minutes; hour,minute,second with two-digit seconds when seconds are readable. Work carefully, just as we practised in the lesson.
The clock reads 3,25
